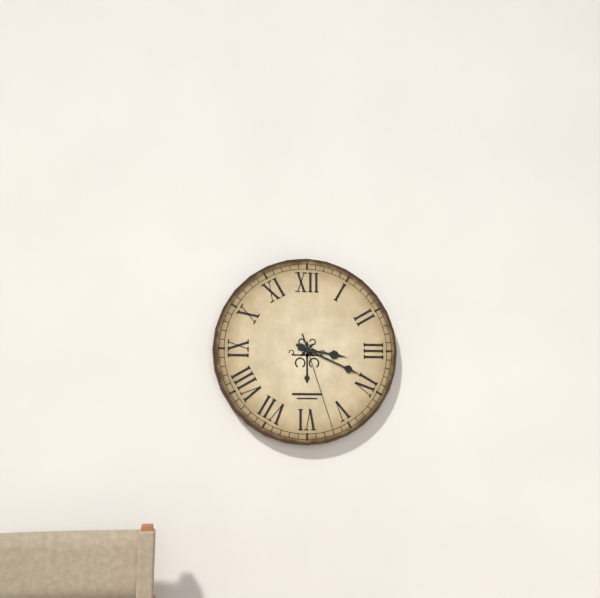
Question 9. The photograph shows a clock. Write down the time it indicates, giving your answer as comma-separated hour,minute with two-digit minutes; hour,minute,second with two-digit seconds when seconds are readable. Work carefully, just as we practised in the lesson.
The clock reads 3,19,27
